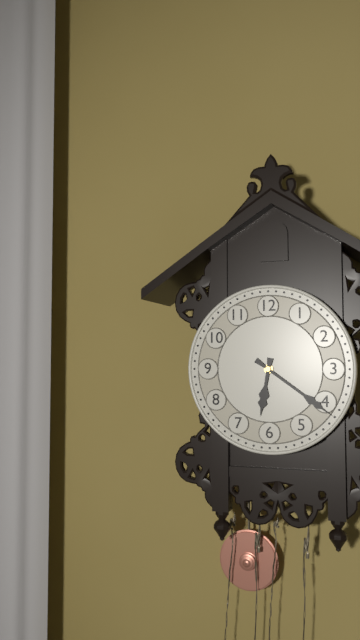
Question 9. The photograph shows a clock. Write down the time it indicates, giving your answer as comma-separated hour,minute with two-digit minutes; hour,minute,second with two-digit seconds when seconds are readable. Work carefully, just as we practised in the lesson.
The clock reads 6,21
